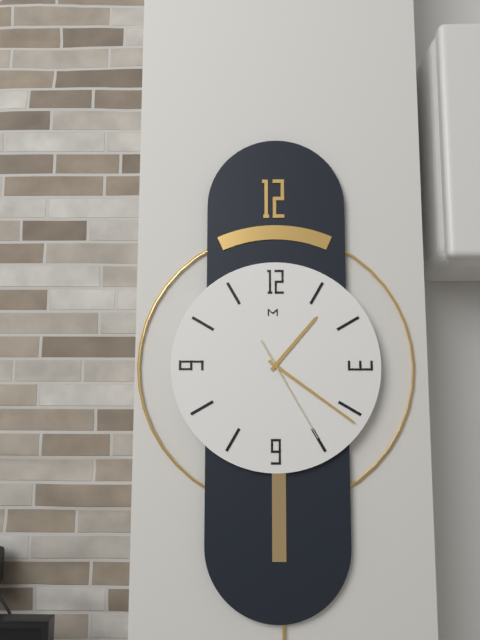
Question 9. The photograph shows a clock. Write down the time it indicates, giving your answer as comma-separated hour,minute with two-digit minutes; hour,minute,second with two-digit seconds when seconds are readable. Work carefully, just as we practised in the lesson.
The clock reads 1,21,25
